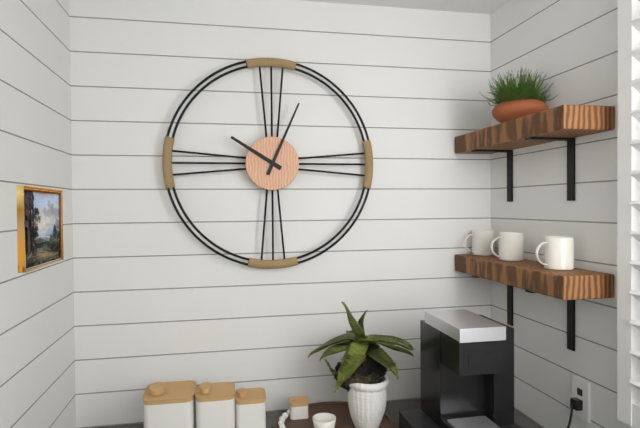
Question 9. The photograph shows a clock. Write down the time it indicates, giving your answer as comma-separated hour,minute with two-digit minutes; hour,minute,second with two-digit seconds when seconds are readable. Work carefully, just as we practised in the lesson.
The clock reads 10,04
